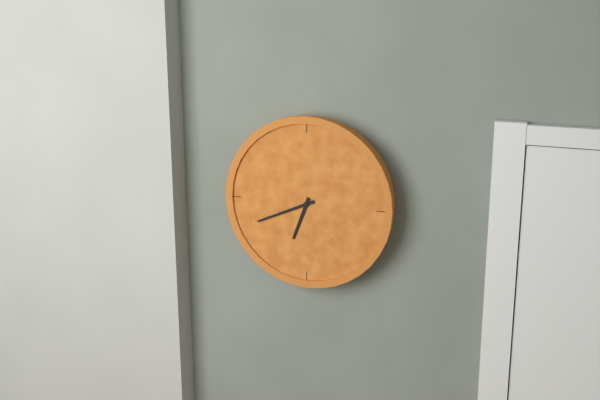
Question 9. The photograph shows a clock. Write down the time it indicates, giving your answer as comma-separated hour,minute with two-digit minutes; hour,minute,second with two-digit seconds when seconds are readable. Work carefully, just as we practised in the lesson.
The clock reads 6,41
